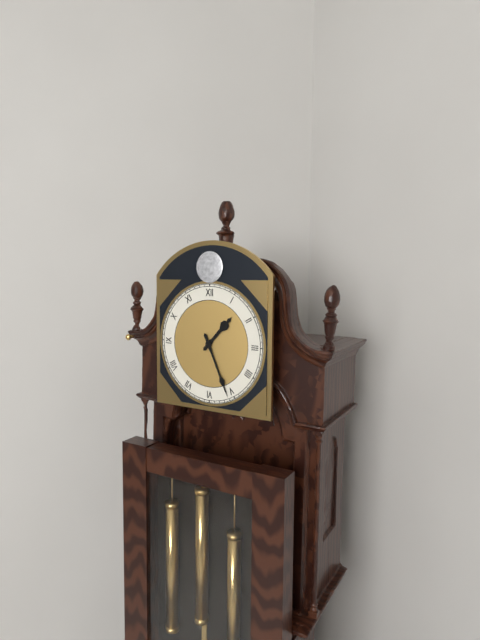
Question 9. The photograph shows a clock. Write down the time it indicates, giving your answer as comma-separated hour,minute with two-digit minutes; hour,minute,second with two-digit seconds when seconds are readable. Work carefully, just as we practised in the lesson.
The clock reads 1,26
